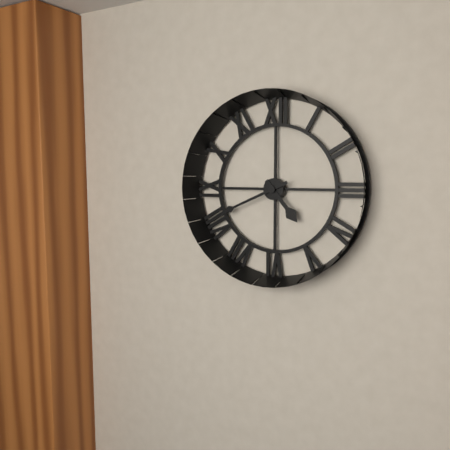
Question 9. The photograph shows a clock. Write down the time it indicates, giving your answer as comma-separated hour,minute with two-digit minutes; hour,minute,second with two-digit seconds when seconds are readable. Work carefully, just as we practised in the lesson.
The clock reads 4,41
